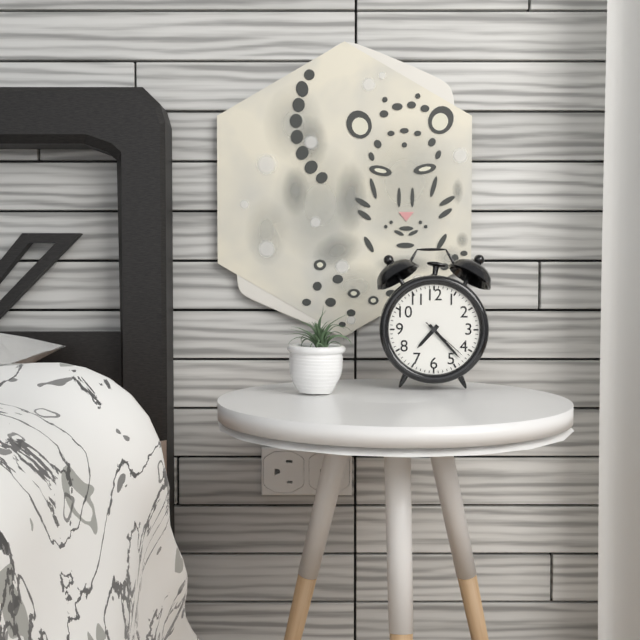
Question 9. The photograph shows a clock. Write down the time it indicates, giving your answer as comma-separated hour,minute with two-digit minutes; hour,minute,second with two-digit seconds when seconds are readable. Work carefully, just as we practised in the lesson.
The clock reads 7,23,22
